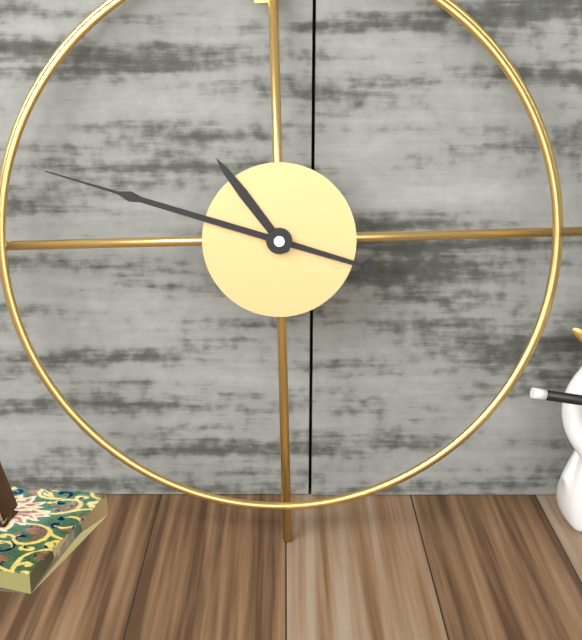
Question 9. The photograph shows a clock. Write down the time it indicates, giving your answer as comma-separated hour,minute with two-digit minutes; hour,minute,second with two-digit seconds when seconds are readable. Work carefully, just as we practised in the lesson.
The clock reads 10,48
